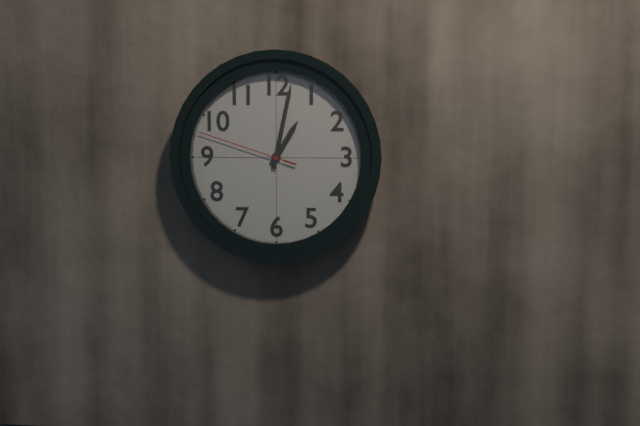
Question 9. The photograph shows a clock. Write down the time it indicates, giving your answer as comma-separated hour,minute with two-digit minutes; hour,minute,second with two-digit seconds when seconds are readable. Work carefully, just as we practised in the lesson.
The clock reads 1,02,48
